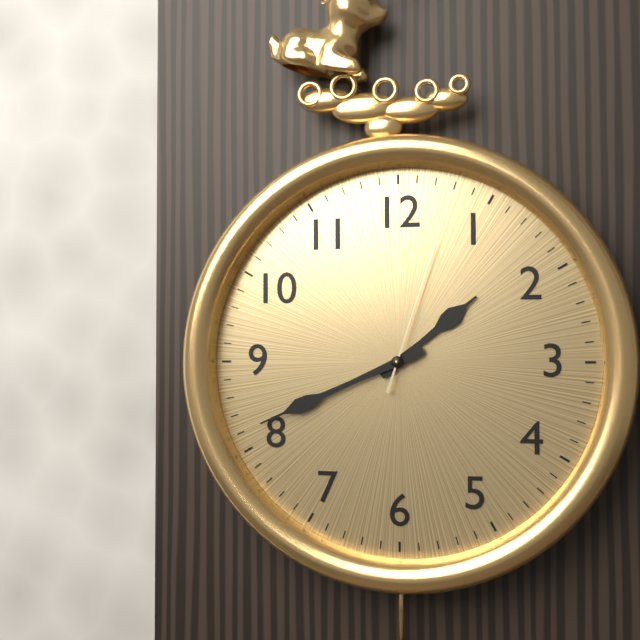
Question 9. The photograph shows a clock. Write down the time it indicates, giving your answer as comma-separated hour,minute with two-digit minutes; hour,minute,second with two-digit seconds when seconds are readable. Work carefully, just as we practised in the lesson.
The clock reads 1,41,03
